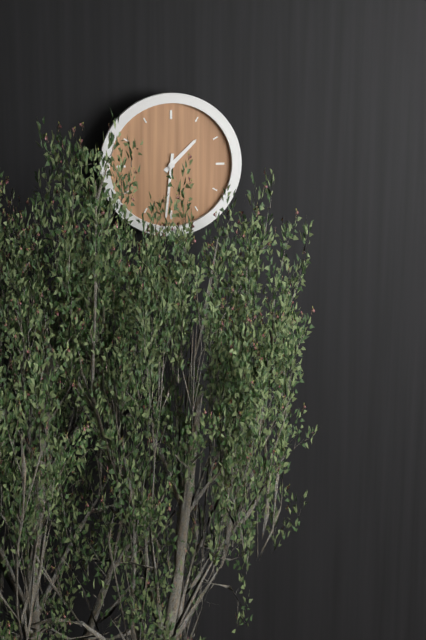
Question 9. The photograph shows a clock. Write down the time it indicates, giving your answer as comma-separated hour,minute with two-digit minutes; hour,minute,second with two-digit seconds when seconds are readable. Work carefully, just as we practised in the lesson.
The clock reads 1,31
